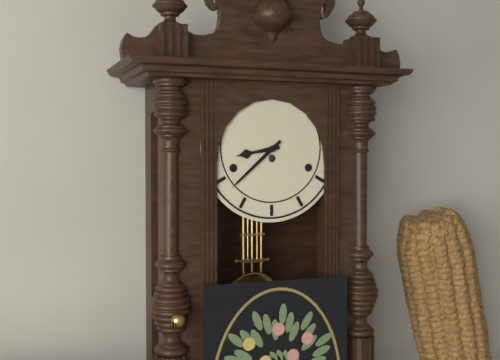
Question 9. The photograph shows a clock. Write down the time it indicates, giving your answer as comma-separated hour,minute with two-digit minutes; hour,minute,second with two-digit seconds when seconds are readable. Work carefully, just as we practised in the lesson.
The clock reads 8,38
